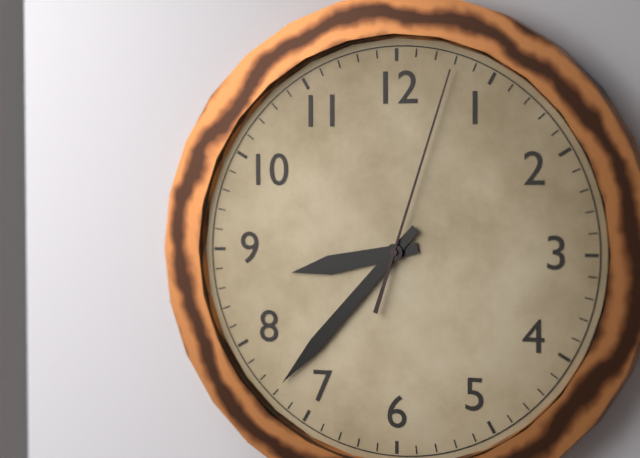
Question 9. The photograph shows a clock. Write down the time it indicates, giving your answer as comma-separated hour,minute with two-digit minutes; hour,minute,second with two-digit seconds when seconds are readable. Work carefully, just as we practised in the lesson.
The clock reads 8,37,03
